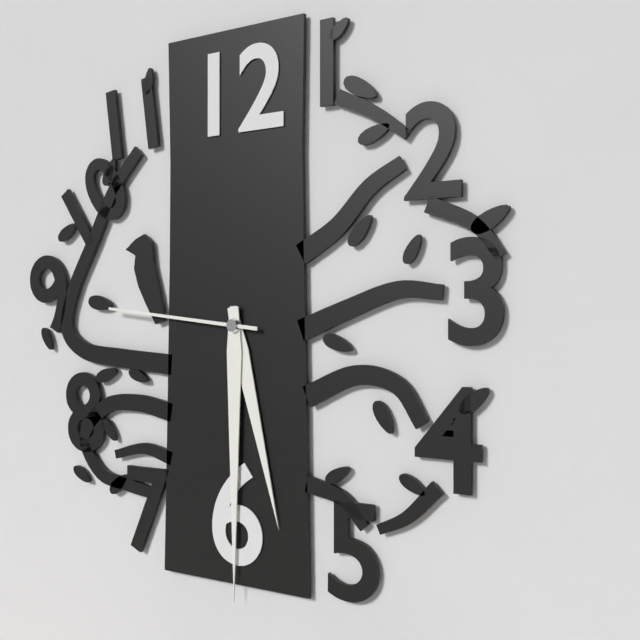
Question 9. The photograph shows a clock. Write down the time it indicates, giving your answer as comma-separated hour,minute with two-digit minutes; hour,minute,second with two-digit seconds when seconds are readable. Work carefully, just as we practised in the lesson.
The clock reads 5,30,46
